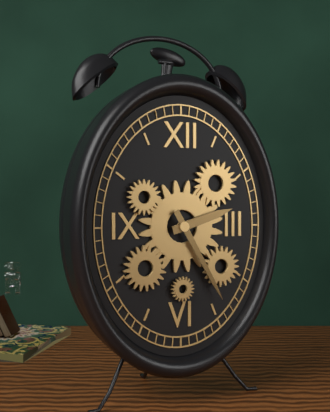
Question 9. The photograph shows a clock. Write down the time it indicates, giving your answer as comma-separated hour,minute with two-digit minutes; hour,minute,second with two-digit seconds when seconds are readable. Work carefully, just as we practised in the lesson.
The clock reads 2,25
